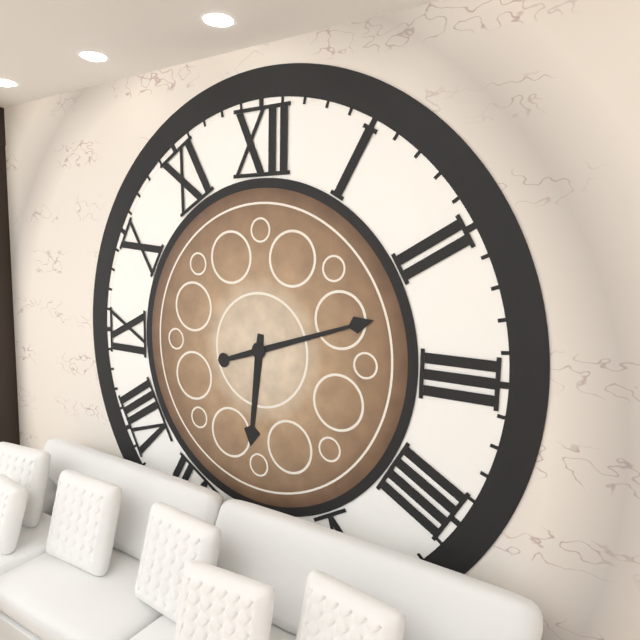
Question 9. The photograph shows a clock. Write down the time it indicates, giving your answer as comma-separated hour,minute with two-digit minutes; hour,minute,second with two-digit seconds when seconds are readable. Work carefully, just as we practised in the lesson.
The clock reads 6,12
